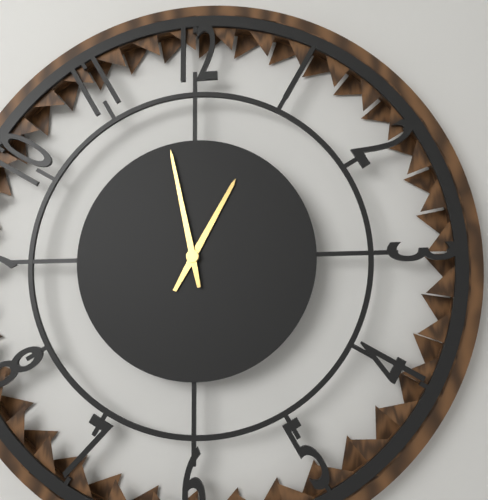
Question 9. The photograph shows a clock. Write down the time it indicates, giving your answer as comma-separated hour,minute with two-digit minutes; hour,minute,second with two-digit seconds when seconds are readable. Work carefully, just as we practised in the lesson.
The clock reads 12,58
